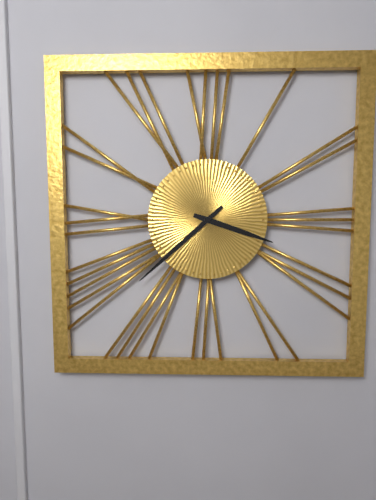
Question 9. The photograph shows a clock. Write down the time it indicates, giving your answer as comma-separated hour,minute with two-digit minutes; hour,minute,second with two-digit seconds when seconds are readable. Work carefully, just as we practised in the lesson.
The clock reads 3,38
